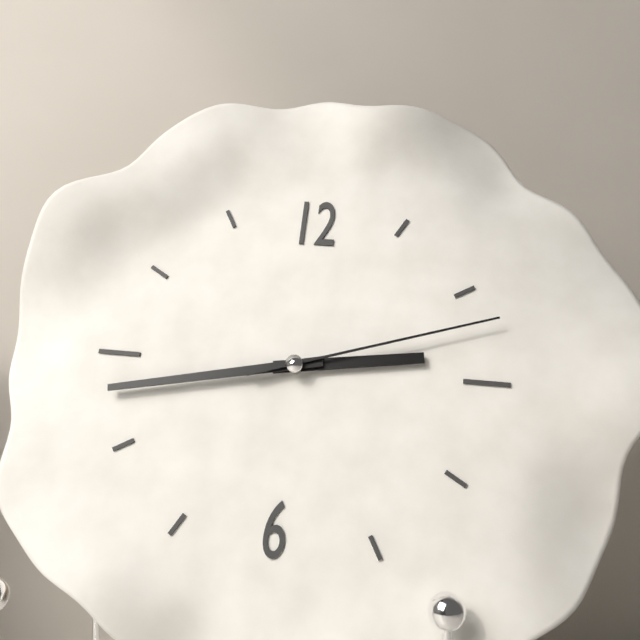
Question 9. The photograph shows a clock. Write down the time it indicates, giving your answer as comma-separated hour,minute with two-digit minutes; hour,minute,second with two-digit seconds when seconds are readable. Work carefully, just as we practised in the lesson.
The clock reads 2,43,12
